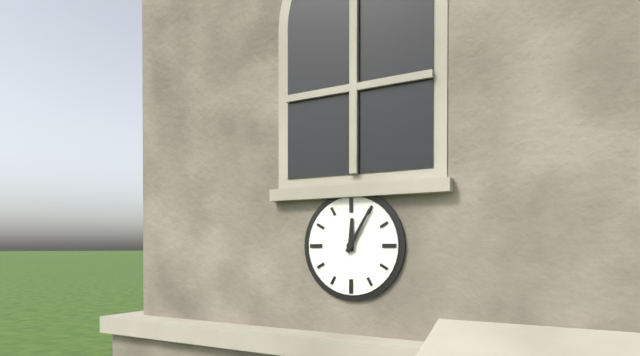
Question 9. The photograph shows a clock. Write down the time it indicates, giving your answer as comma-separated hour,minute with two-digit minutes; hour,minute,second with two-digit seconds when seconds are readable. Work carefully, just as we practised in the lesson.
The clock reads 12,05
